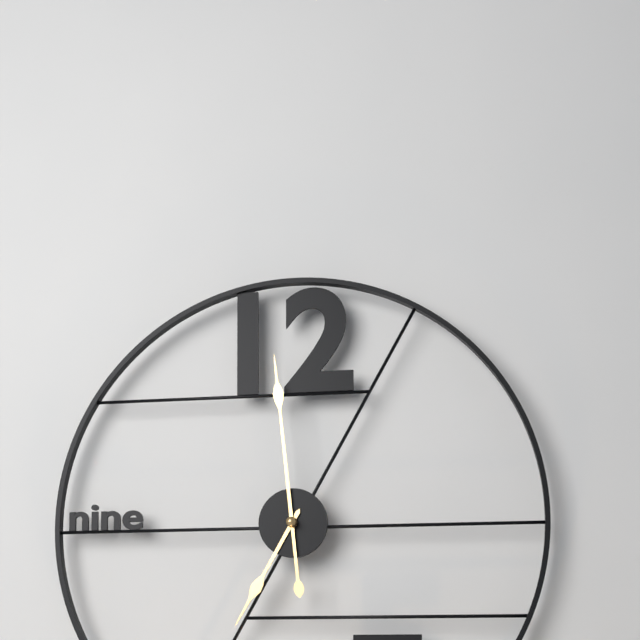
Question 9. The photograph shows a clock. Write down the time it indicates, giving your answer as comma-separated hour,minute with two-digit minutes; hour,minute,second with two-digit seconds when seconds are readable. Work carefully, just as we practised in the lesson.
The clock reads 6,59
